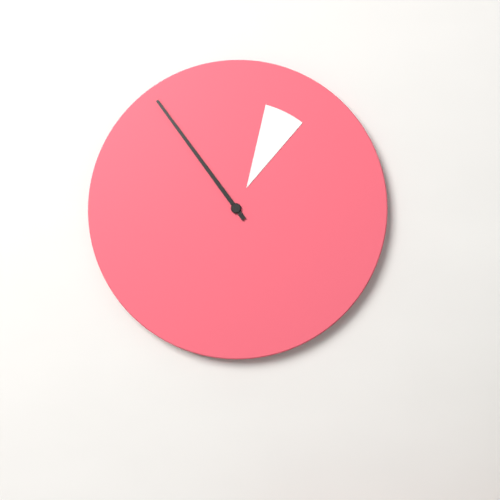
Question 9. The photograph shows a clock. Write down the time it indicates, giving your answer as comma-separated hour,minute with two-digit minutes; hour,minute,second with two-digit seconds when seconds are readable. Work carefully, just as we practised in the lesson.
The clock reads 12,54
